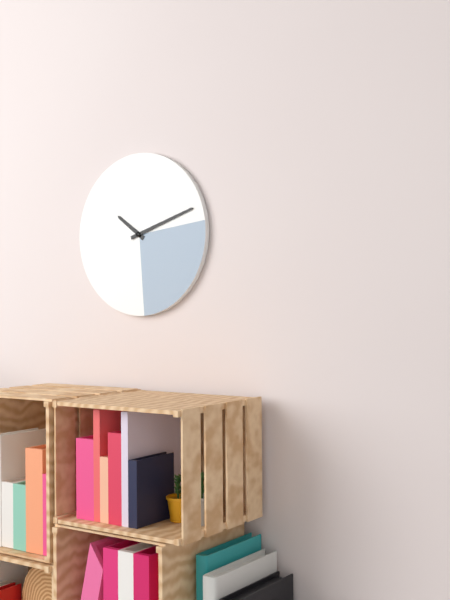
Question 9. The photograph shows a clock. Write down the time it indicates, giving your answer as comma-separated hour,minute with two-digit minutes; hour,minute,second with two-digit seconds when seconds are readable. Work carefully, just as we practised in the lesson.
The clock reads 10,12
